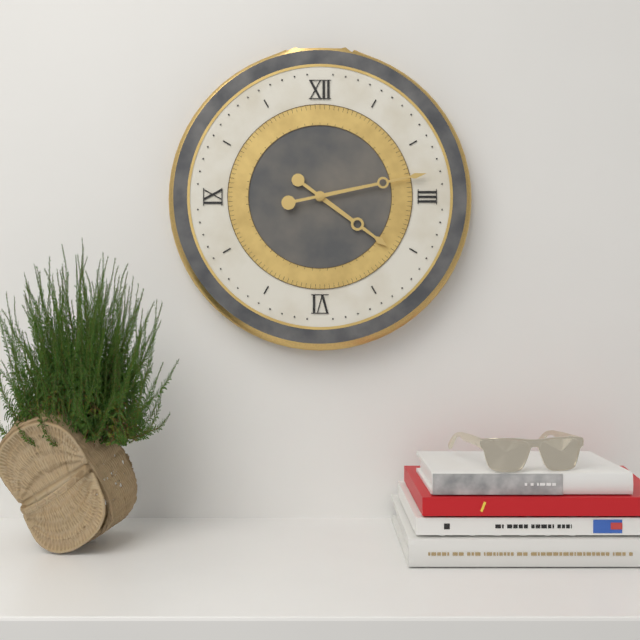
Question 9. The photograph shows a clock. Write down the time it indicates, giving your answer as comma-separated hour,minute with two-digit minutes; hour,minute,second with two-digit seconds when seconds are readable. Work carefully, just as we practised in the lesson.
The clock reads 4,13
